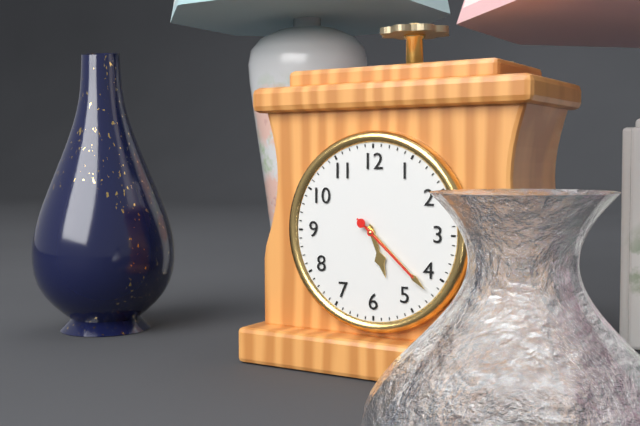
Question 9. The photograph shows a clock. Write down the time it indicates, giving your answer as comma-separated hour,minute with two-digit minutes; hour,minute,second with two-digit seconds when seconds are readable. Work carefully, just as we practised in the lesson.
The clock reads 5,22,22
